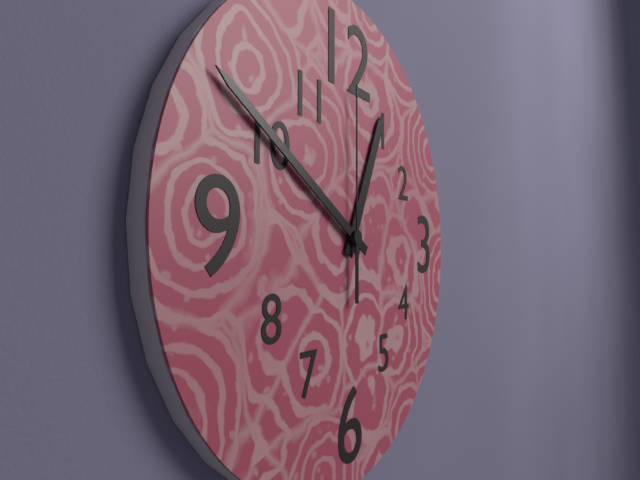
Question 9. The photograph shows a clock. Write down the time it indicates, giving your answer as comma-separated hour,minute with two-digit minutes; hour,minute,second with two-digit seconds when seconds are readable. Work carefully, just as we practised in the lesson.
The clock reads 12,50,00
